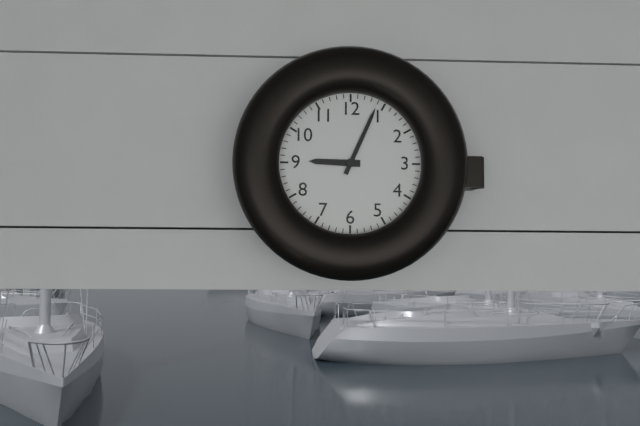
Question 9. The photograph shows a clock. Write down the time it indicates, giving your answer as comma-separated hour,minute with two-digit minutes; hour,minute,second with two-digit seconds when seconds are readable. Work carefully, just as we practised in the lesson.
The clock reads 9,04
